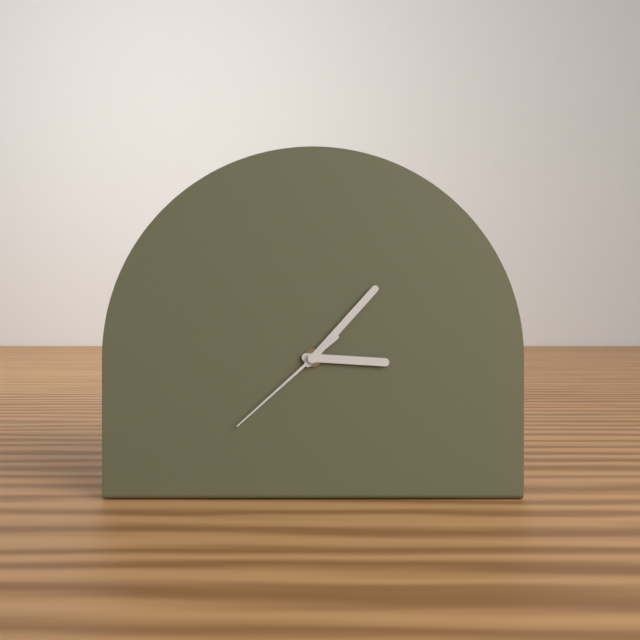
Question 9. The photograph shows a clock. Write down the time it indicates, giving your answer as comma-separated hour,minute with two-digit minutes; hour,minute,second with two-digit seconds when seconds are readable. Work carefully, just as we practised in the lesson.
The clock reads 3,07,38
